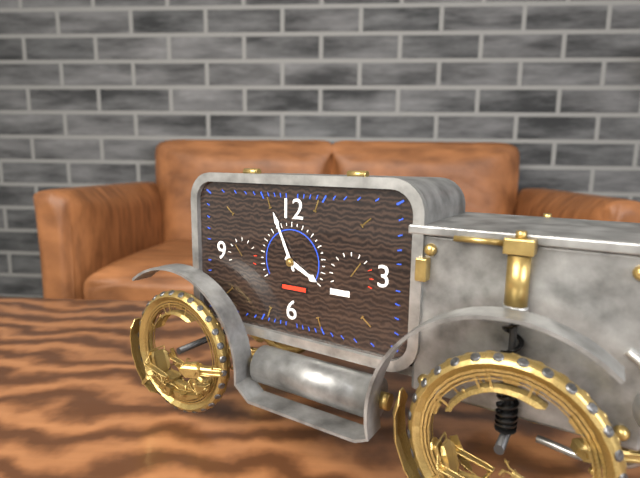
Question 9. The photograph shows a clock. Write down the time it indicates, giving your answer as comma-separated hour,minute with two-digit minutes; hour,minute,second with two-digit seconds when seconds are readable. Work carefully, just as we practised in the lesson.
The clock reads 3,56
